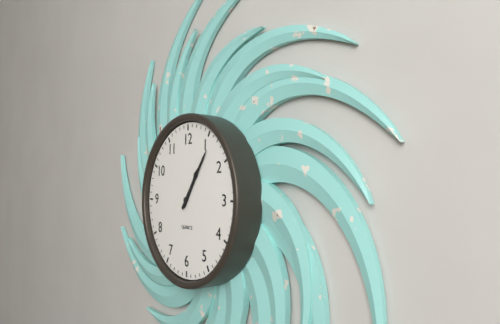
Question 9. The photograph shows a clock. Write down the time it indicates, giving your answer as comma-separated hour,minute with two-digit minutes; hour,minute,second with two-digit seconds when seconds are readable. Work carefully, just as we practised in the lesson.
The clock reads 1,06
